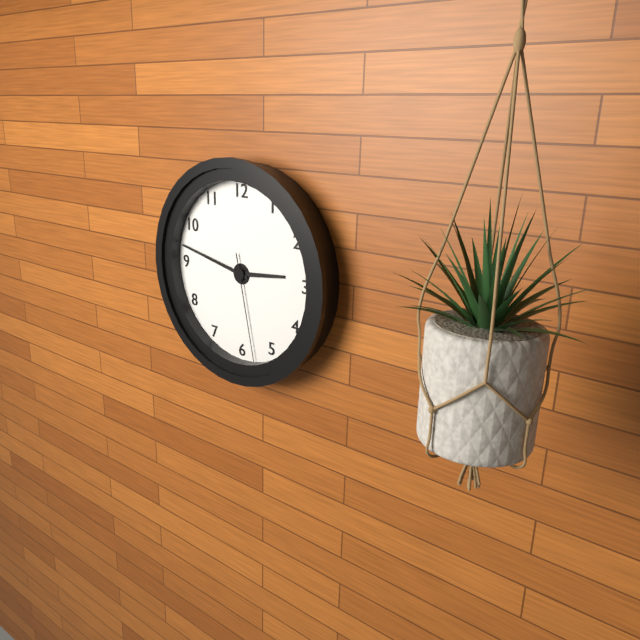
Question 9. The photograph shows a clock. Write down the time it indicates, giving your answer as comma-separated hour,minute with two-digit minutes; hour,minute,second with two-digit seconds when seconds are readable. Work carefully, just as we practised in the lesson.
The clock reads 2,47,28
